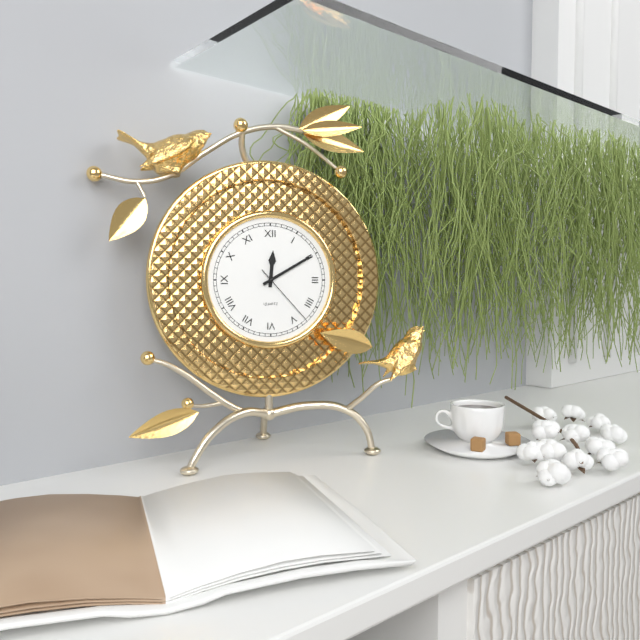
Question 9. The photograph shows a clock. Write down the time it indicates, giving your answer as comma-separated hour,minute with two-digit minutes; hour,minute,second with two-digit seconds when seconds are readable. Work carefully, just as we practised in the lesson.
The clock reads 12,10,23
